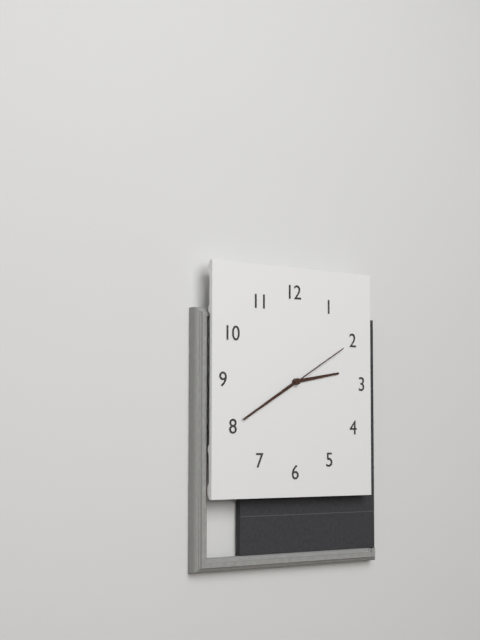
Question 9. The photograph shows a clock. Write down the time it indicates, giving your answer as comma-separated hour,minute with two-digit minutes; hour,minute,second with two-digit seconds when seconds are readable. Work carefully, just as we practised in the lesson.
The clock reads 2,40,10
